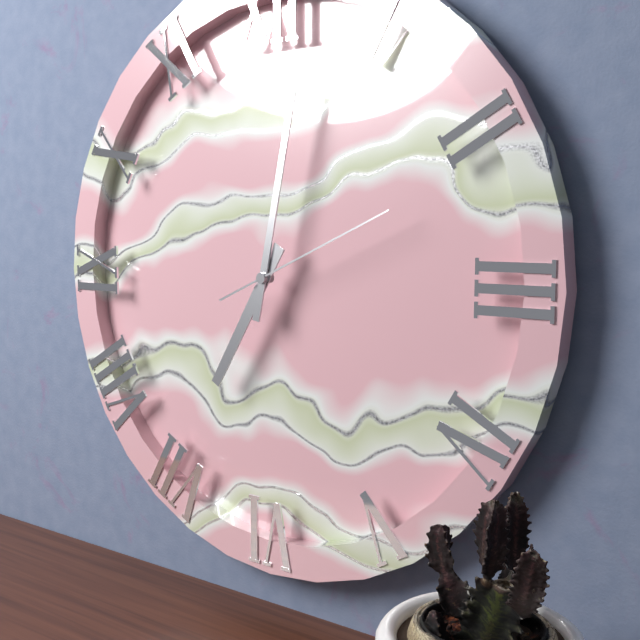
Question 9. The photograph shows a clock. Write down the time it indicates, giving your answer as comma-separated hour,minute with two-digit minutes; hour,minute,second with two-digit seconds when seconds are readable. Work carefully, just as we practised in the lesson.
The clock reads 7,02,11
